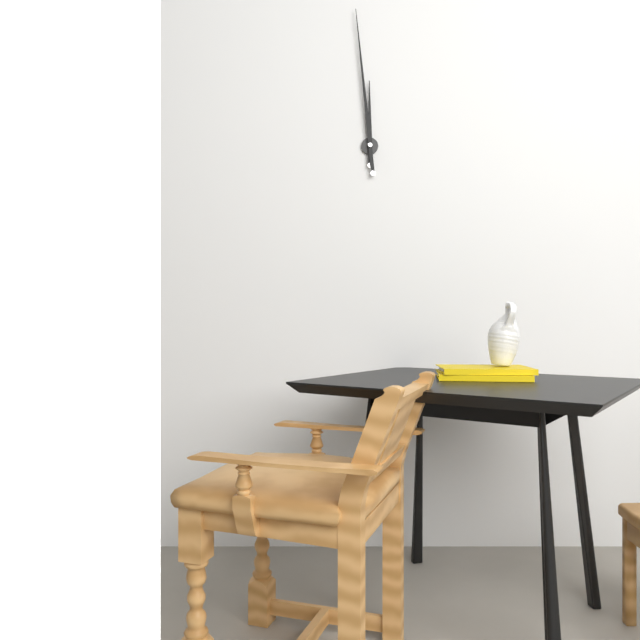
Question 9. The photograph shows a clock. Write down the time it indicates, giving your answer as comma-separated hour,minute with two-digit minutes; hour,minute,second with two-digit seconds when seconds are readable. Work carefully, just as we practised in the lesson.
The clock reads 11,59
